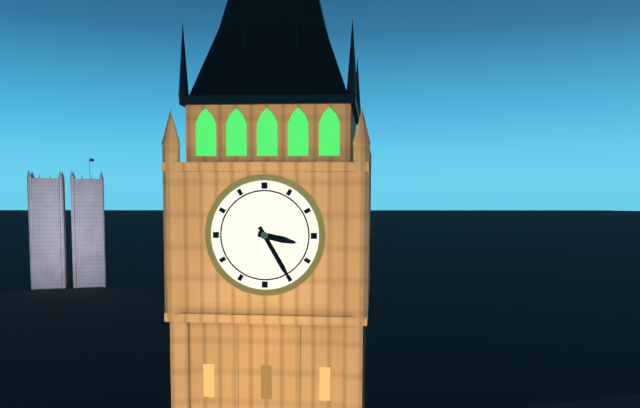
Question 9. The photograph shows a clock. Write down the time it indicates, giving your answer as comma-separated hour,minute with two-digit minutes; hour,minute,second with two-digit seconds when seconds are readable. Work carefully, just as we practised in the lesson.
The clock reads 3,25
